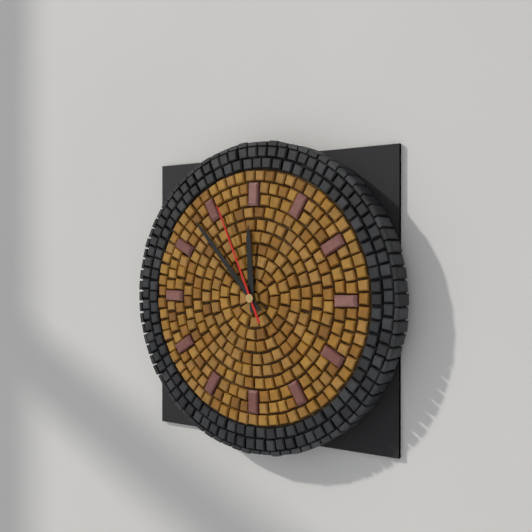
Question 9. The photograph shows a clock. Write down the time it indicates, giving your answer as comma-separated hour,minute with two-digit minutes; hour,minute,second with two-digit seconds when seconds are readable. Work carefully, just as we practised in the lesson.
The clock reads 11,53,56
